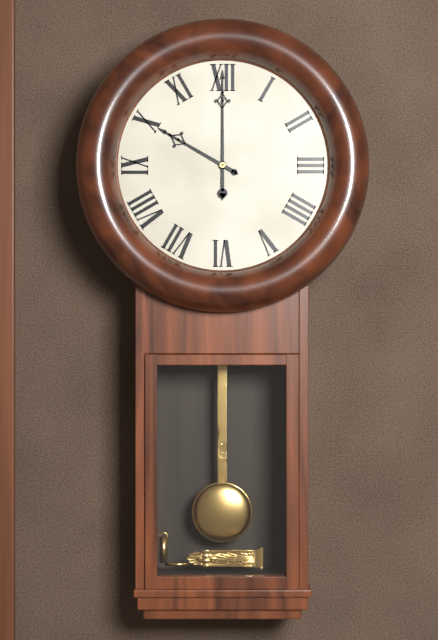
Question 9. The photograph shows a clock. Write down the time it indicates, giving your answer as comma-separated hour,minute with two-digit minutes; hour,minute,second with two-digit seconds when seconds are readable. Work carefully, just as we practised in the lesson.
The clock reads 10,00
